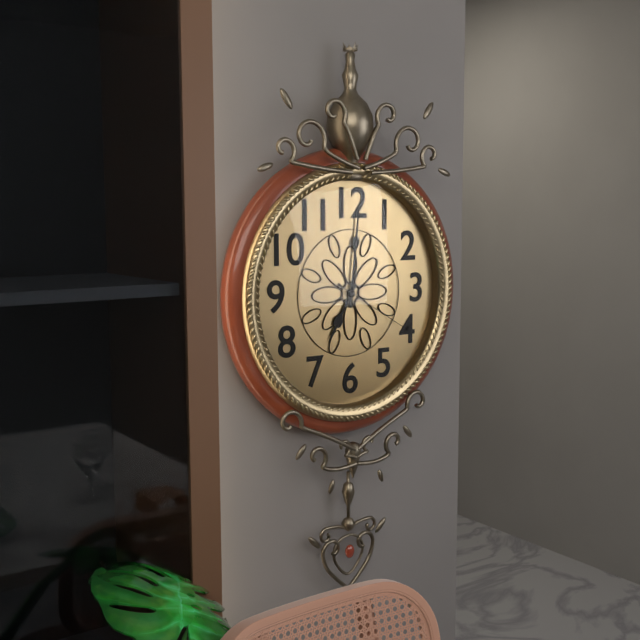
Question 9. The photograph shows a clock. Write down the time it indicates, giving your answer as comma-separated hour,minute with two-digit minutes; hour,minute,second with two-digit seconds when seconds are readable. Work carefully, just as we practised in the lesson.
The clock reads 7,01,20
